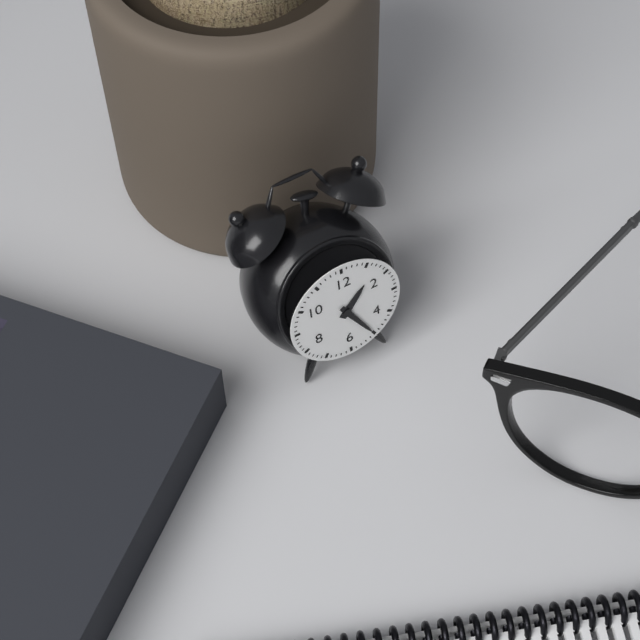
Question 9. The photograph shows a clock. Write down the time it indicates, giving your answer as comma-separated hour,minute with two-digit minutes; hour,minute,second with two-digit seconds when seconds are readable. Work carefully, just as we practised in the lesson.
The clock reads 1,25
